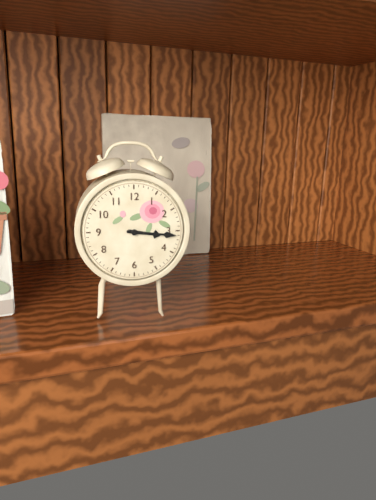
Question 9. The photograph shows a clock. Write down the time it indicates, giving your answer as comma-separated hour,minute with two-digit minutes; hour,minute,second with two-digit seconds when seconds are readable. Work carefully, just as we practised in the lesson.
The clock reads 3,16
